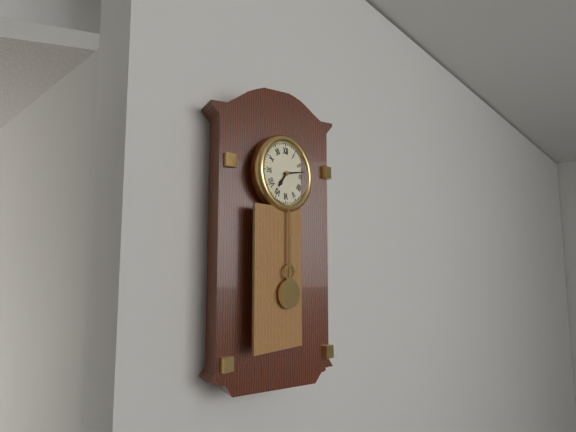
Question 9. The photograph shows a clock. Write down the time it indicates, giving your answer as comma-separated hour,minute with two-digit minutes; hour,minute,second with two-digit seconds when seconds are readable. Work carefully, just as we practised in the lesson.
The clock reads 7,13
